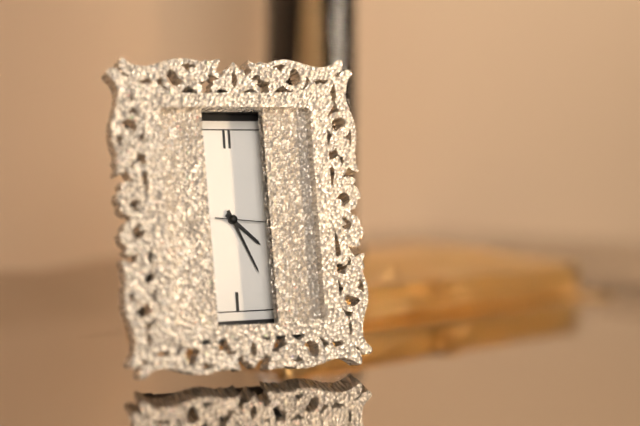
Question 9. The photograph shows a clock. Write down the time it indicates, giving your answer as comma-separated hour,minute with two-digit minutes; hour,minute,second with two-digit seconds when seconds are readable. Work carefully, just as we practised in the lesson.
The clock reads 4,26,16
